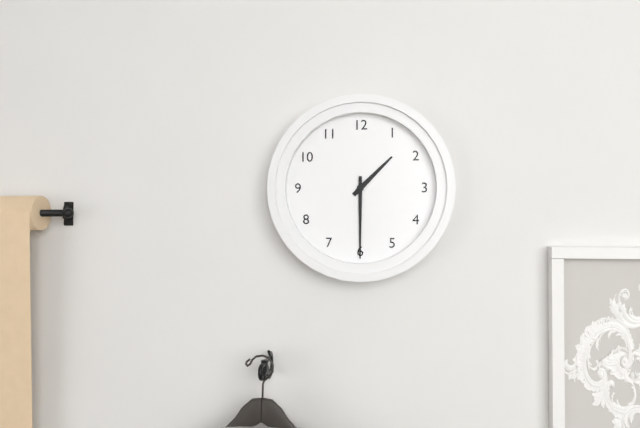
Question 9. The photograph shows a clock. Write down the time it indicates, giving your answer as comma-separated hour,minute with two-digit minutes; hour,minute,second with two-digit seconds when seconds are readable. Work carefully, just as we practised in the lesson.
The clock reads 1,30
